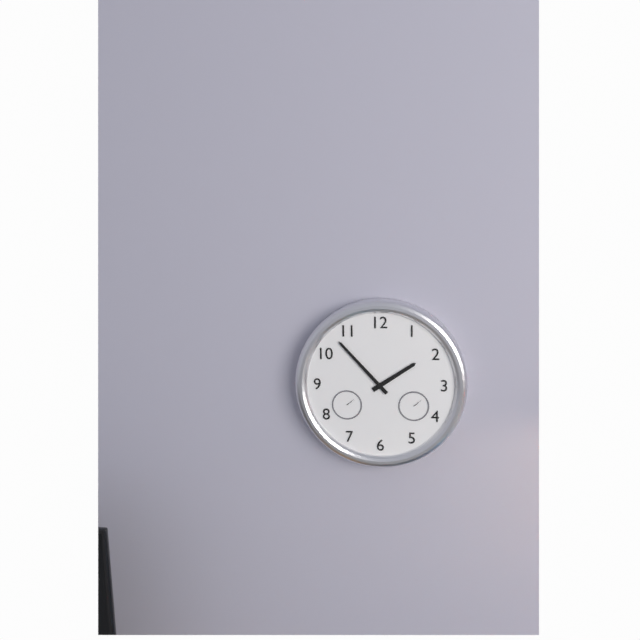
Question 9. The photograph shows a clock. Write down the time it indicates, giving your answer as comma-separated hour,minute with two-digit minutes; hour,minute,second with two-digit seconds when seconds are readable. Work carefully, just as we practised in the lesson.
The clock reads 1,53
